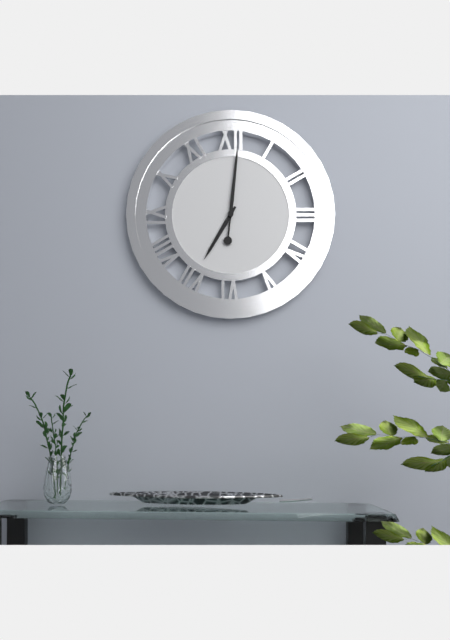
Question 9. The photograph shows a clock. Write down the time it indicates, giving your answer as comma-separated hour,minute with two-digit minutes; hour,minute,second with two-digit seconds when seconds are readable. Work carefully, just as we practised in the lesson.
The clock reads 7,01
